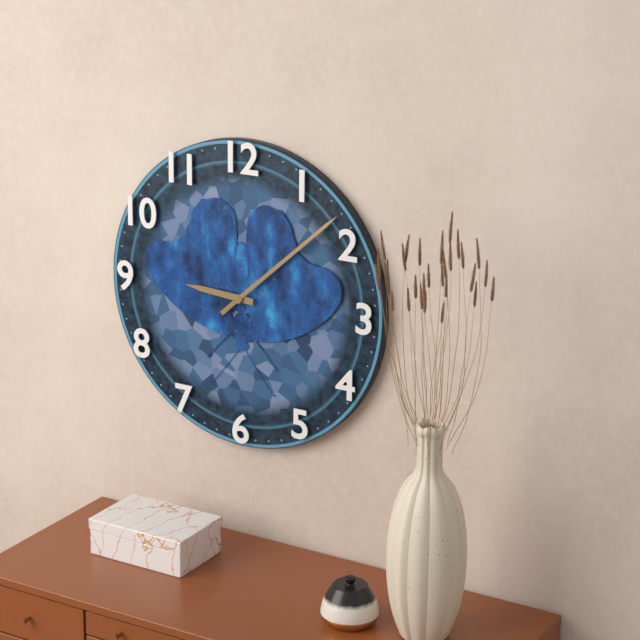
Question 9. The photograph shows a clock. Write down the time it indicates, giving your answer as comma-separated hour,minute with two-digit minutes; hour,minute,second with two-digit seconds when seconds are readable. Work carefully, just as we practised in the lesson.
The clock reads 9,08
